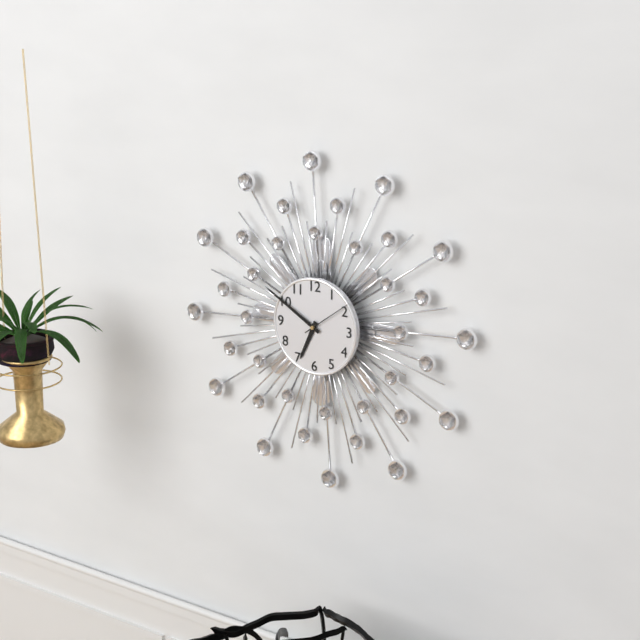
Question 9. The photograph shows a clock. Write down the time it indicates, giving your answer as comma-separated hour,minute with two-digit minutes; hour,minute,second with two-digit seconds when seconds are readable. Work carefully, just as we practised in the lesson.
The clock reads 6,50,09
